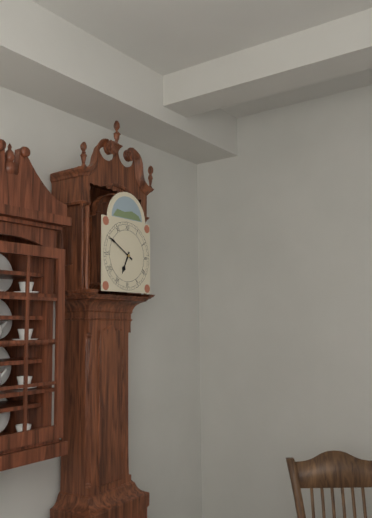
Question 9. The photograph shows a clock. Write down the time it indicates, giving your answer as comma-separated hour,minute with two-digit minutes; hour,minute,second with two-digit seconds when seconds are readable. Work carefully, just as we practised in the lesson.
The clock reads 6,50
